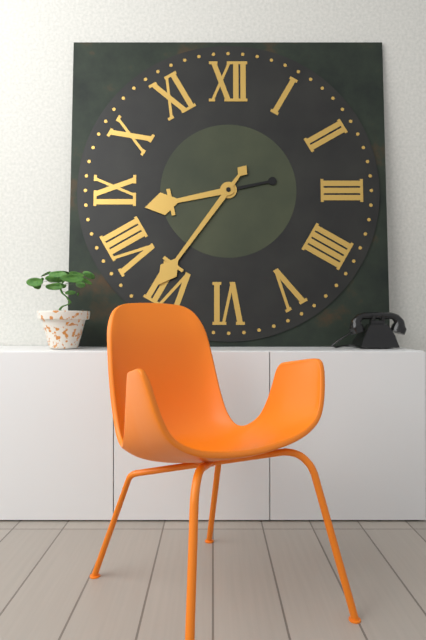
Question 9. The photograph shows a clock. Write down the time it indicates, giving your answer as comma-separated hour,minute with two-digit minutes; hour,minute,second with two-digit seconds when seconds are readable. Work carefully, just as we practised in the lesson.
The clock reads 8,36
